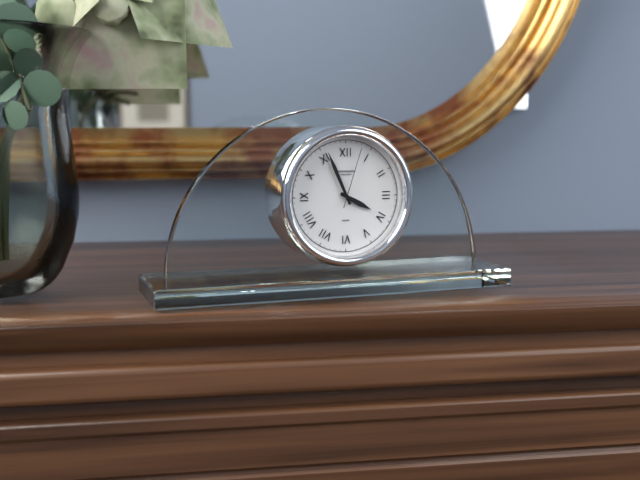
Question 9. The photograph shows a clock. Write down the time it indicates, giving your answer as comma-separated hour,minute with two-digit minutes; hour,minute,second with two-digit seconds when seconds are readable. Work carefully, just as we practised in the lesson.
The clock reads 3,56,03
